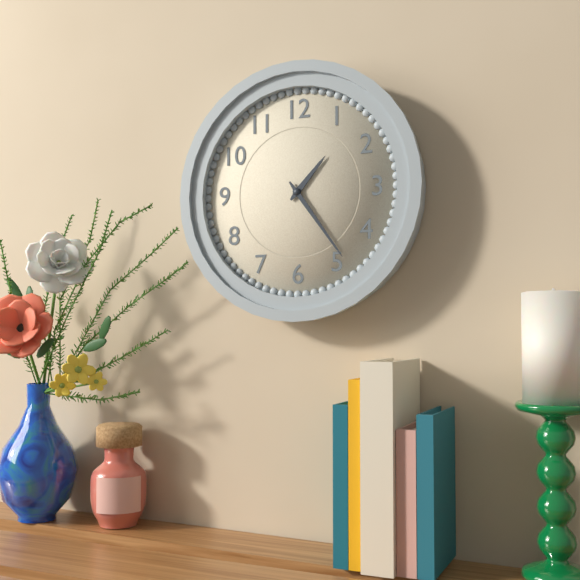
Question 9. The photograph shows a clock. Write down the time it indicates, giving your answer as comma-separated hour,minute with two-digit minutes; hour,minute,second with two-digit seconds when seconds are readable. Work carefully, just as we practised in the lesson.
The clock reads 1,24
